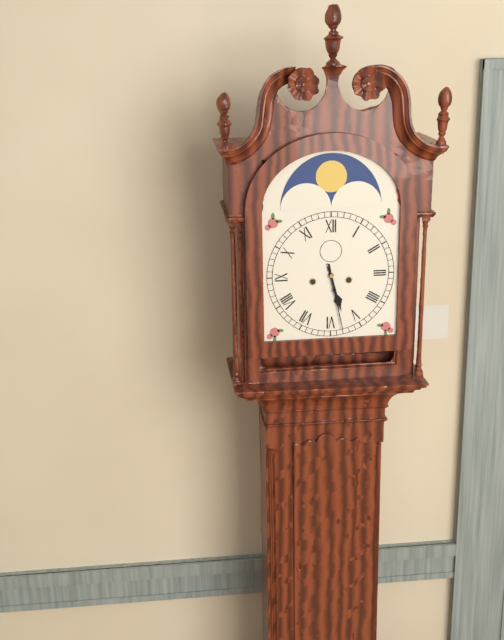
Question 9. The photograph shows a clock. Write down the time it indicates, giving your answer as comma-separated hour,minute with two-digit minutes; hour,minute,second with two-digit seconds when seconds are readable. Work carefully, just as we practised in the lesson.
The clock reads 5,28
